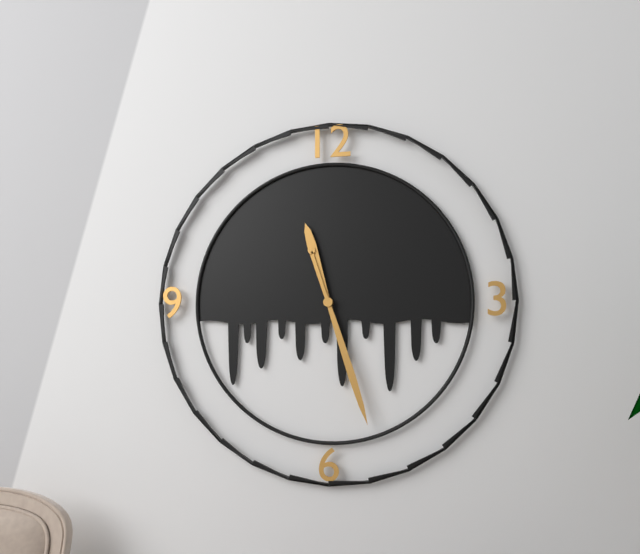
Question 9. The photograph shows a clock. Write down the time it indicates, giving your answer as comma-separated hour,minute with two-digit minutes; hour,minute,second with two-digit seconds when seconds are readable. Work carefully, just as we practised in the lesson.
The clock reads 11,27
